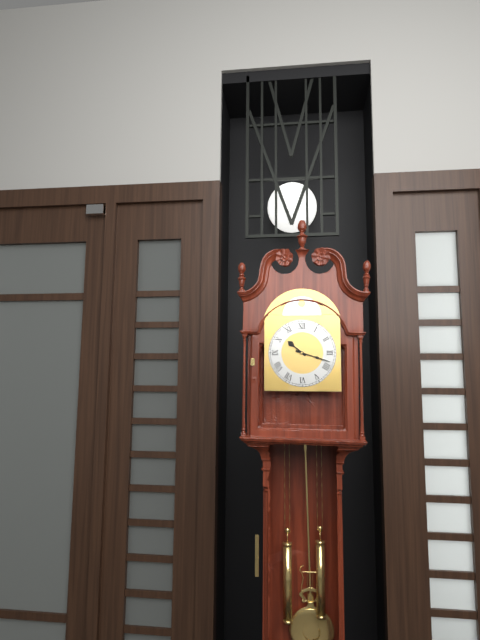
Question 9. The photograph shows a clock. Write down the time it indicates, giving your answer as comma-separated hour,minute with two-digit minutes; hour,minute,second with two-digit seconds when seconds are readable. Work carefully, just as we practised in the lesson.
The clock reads 10,18
